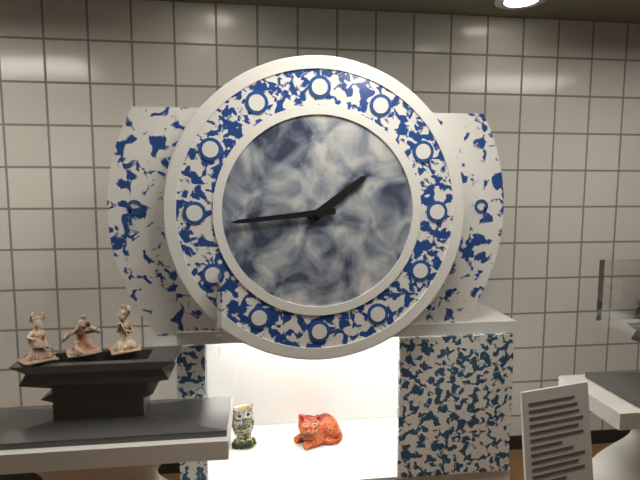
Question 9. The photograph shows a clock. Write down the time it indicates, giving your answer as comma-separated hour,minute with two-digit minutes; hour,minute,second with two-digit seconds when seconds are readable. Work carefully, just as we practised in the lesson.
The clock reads 1,44
